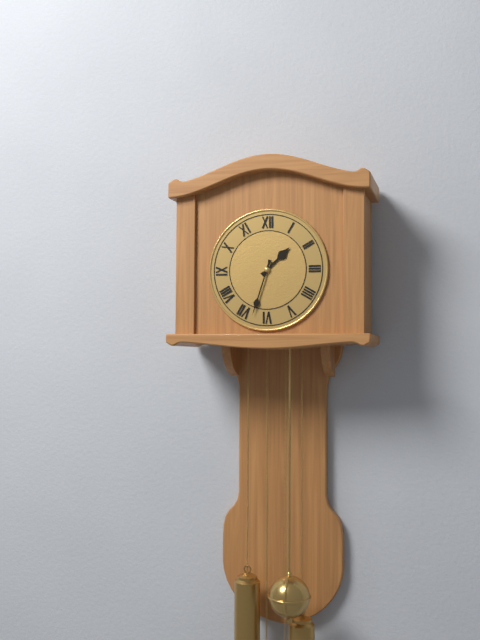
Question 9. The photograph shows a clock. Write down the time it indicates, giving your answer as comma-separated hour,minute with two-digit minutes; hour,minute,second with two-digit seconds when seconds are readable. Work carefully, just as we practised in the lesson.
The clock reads 1,33
